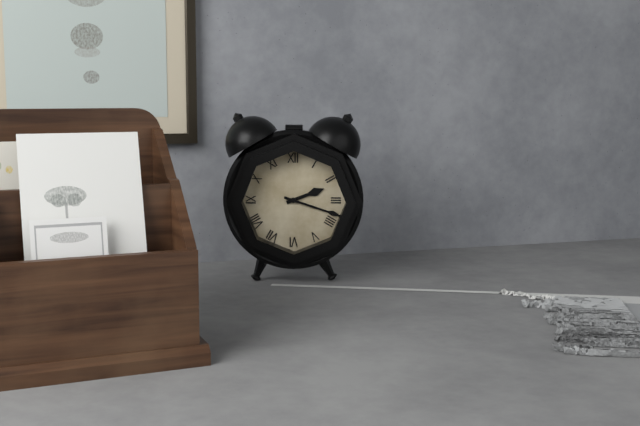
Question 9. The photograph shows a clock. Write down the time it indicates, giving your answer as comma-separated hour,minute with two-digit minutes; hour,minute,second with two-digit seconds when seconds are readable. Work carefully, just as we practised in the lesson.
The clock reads 2,18
